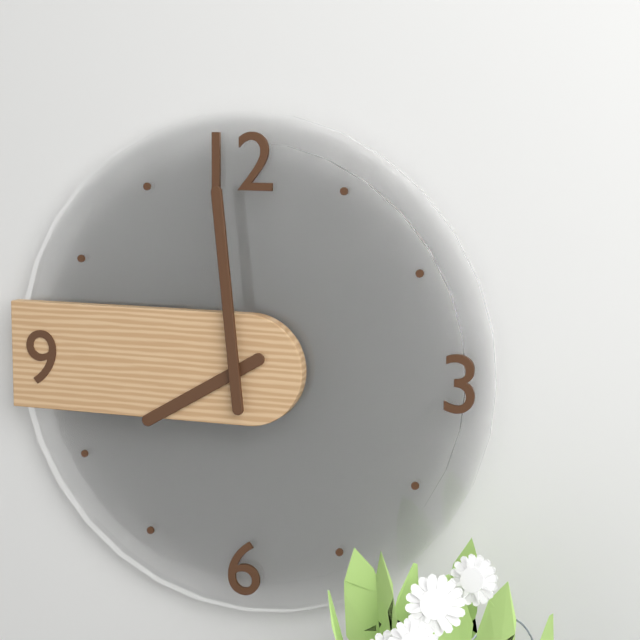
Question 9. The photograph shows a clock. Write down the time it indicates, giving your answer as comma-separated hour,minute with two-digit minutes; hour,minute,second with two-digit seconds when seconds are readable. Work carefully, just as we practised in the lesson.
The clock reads 7,59
